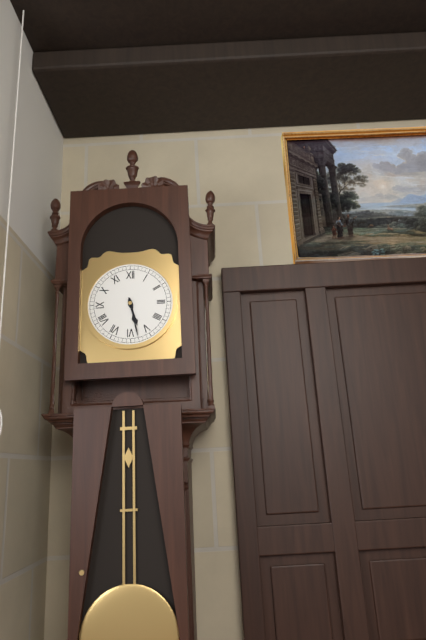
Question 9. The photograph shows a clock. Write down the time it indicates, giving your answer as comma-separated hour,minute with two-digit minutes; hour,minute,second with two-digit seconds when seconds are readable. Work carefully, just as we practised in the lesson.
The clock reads 5,28
